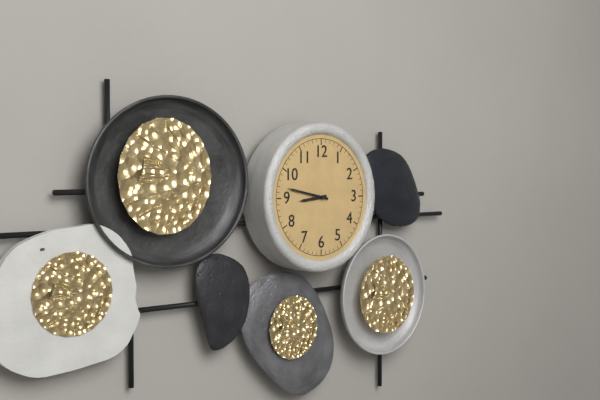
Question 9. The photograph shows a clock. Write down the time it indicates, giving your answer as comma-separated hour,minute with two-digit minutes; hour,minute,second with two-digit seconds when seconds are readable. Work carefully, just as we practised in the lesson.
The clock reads 8,47
